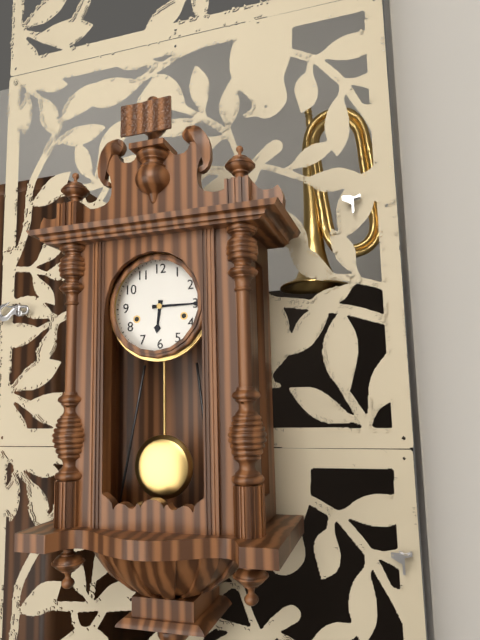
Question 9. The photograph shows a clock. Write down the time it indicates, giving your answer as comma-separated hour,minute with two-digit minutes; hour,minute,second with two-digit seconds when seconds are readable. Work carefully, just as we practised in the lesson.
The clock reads 6,15
